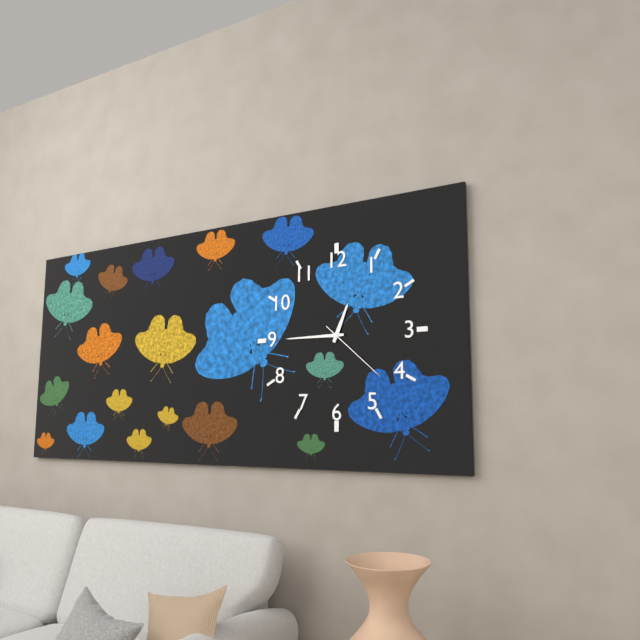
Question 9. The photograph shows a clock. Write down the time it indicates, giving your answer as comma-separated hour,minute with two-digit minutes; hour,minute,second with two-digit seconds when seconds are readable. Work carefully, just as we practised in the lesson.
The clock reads 12,45,22
